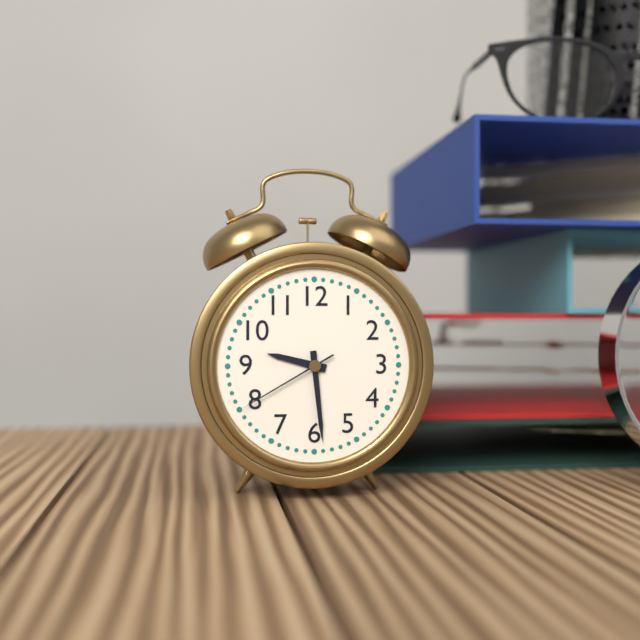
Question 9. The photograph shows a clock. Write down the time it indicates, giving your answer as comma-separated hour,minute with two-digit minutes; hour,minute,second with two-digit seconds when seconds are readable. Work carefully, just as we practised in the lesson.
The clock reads 9,29,40
